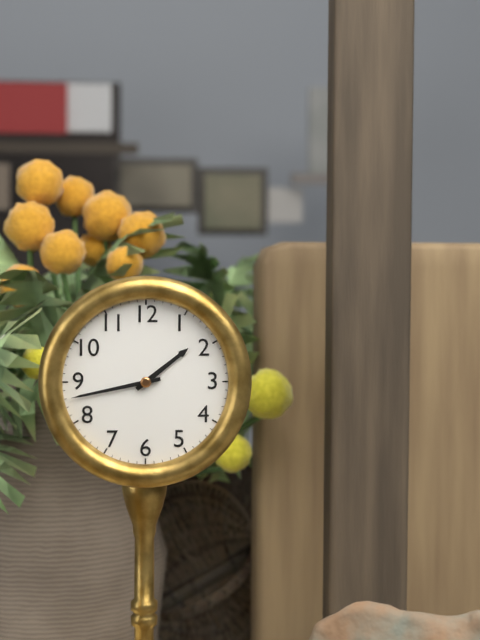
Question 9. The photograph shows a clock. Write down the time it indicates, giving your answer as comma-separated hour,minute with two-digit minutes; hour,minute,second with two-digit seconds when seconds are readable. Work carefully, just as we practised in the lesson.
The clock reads 1,43
